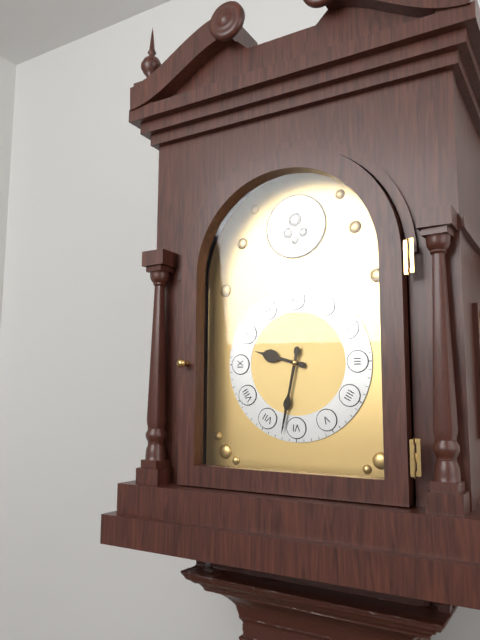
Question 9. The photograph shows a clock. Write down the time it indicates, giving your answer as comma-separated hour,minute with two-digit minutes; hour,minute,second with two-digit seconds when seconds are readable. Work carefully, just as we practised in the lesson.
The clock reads 9,32
